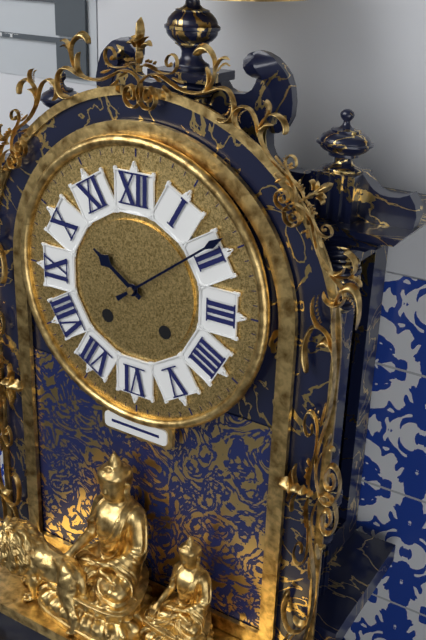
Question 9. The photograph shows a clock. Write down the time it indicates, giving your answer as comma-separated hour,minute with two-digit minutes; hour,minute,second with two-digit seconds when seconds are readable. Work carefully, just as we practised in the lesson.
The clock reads 10,09
